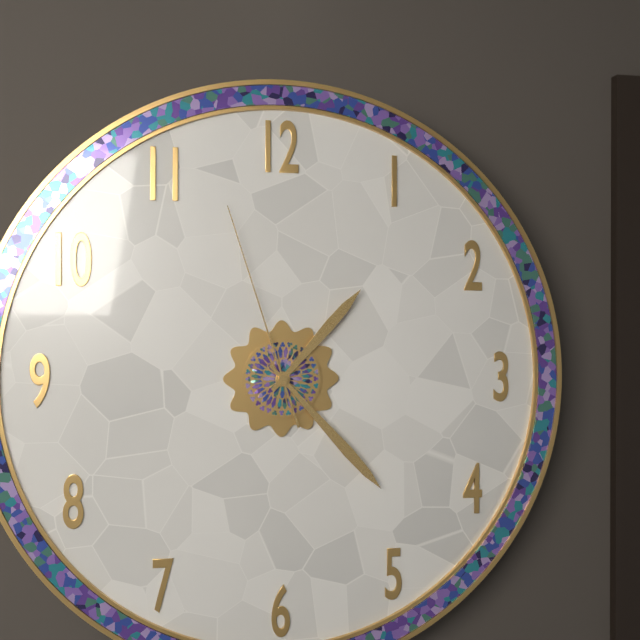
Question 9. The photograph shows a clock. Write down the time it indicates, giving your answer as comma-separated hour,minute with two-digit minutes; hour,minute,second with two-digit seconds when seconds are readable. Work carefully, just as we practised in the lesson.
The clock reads 1,23,57
